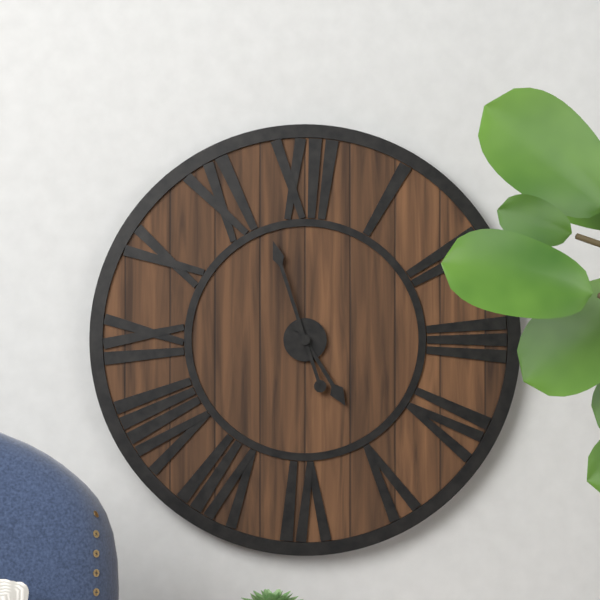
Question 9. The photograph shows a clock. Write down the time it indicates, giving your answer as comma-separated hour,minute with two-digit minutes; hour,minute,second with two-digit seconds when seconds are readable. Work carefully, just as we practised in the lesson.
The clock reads 4,57
